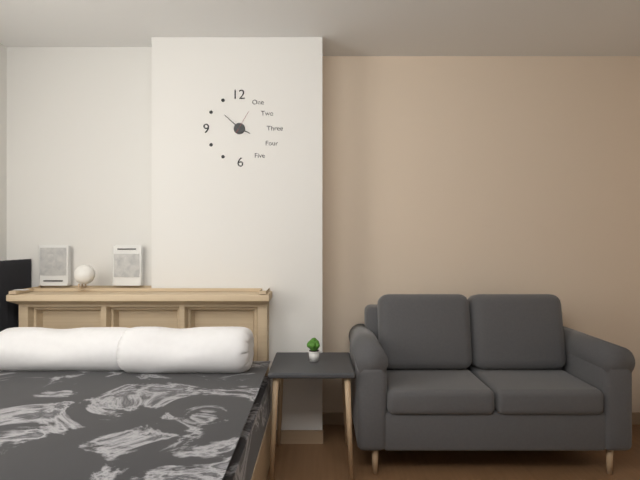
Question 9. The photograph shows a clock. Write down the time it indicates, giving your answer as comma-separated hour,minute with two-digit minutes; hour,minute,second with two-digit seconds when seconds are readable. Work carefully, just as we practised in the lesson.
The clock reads 3,52
